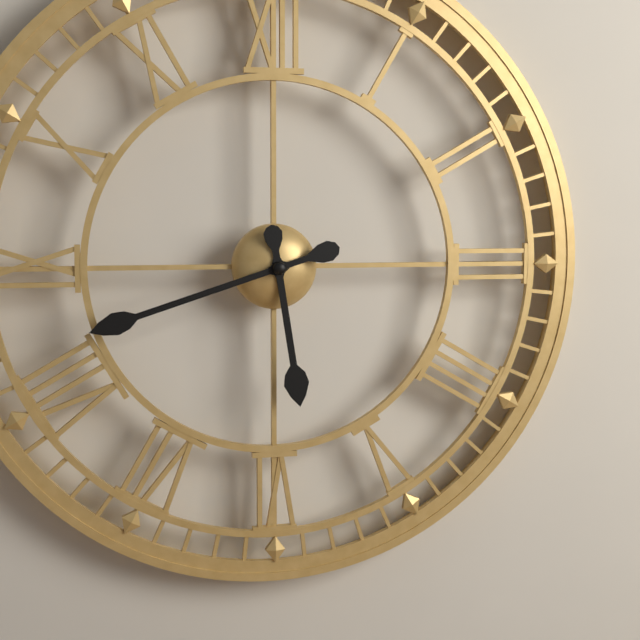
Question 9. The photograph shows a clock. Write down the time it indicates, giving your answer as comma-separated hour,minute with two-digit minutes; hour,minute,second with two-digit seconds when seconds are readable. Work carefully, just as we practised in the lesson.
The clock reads 5,42
